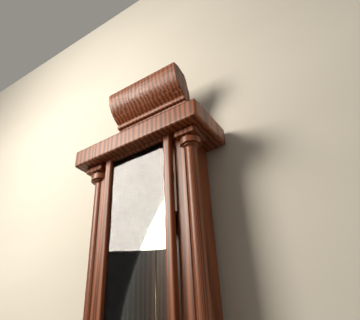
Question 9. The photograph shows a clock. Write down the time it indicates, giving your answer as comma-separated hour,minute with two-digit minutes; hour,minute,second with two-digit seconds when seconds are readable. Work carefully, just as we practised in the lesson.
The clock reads 1,11
